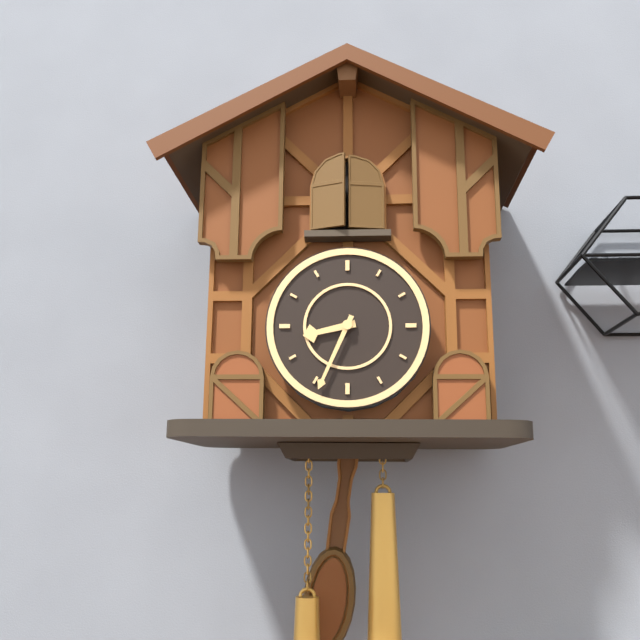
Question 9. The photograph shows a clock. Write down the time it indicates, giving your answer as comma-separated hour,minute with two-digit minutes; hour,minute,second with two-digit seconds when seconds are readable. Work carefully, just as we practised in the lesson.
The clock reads 8,34
